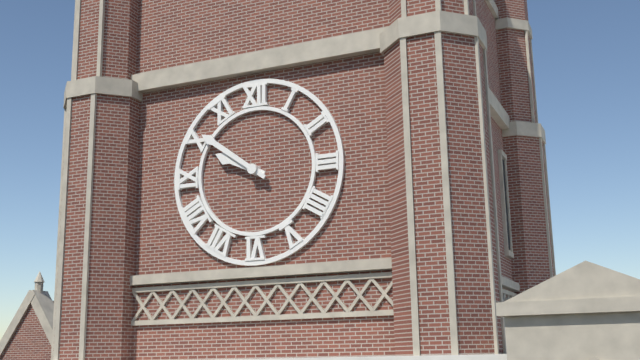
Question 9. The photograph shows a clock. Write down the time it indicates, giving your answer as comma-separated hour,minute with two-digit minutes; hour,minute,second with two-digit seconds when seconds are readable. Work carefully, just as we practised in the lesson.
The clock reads 9,51
